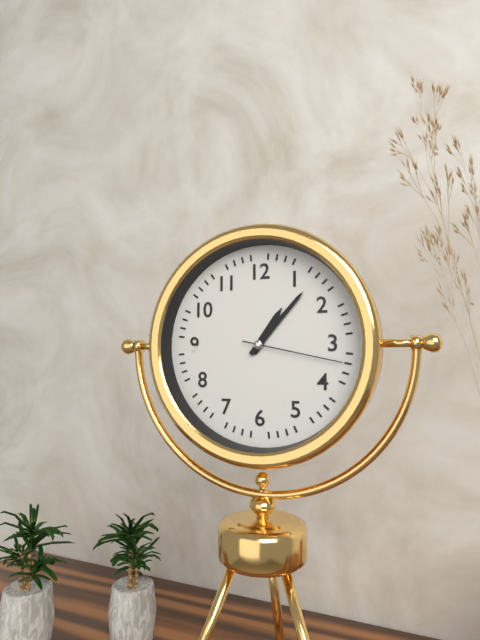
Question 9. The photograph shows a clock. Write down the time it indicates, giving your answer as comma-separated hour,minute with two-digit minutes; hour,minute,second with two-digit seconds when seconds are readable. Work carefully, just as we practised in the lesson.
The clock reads 1,07,17
